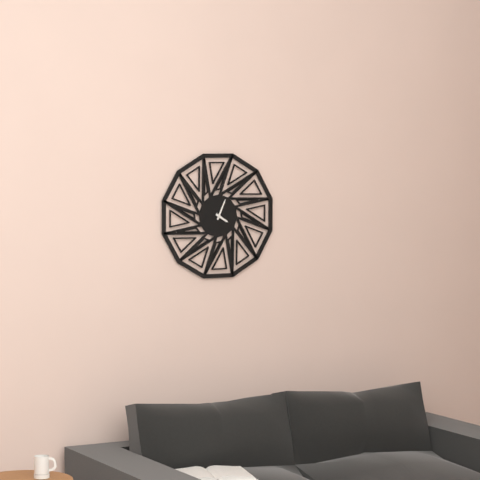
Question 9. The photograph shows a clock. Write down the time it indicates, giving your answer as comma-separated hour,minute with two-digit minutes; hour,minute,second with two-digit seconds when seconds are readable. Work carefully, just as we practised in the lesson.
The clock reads 4,04
